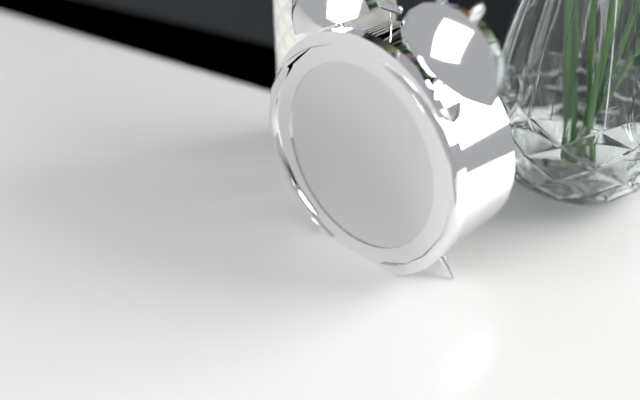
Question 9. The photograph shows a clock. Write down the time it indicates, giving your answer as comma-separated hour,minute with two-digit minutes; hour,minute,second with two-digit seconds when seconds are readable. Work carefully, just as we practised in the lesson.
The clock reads 3,17,48
